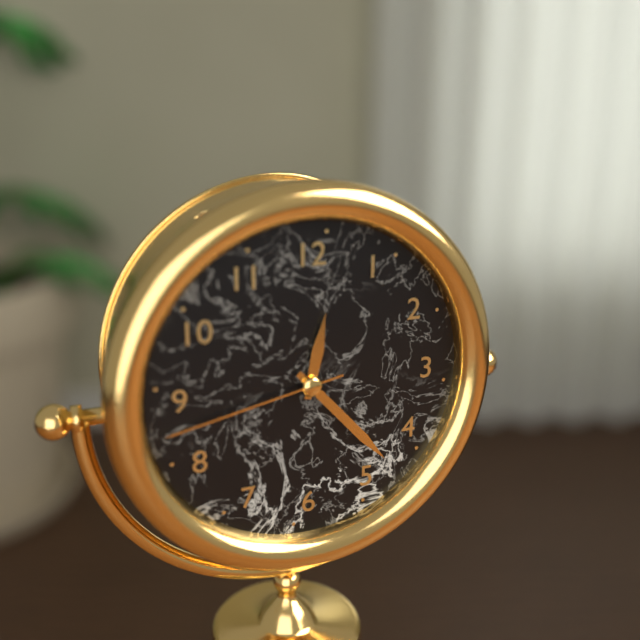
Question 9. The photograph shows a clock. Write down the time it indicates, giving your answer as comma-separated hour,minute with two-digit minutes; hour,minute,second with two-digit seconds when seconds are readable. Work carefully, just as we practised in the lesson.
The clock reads 12,23,43
